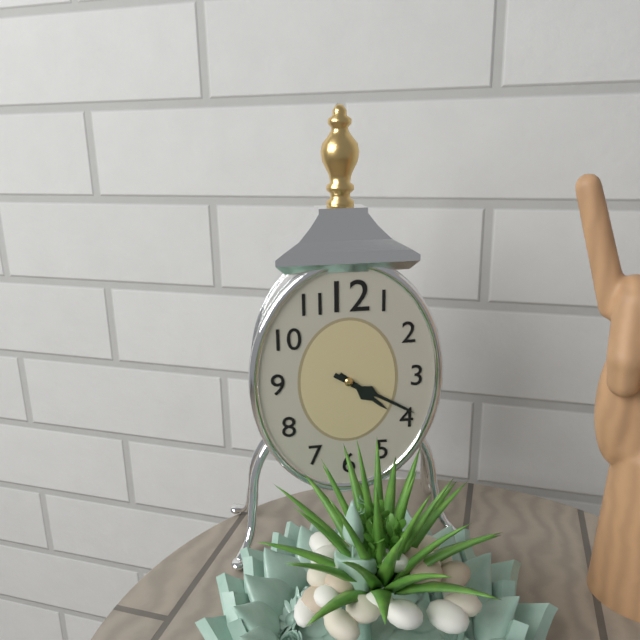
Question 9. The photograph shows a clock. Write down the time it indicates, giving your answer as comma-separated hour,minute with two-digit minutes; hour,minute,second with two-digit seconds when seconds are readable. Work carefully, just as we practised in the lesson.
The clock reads 4,20
